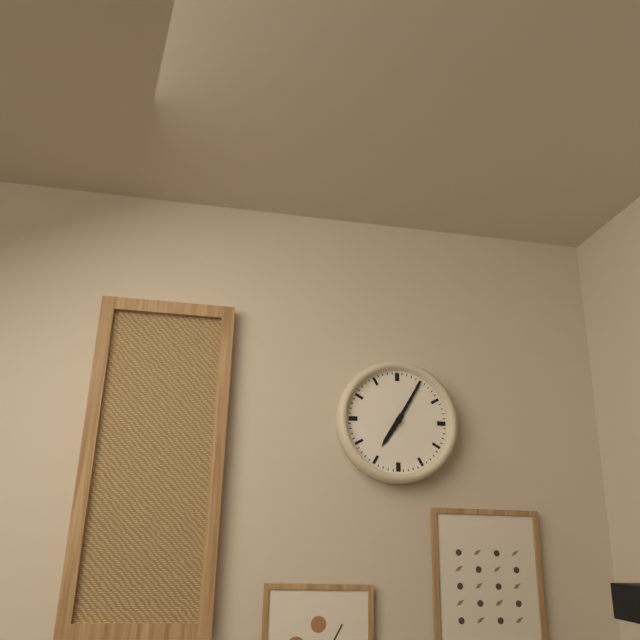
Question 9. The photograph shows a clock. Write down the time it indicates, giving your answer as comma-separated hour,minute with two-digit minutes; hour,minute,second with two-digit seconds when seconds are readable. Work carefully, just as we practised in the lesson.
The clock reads 7,05
